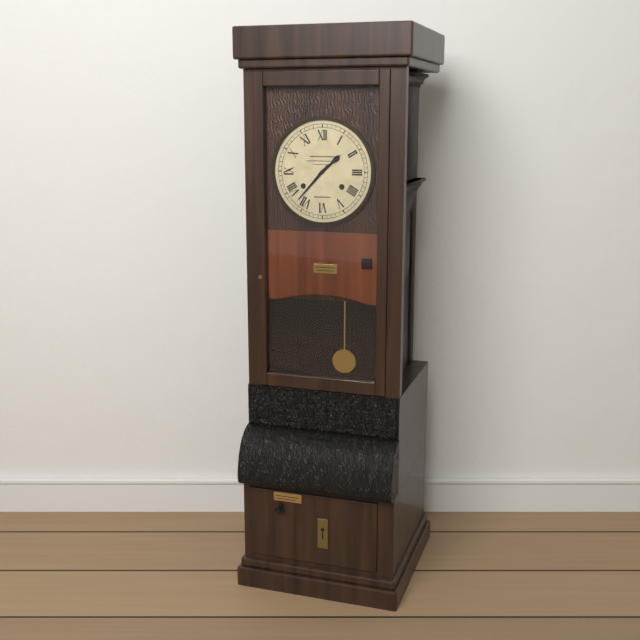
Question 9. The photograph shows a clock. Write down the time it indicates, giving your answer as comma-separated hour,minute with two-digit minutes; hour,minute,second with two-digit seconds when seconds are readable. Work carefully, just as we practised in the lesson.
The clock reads 1,37
